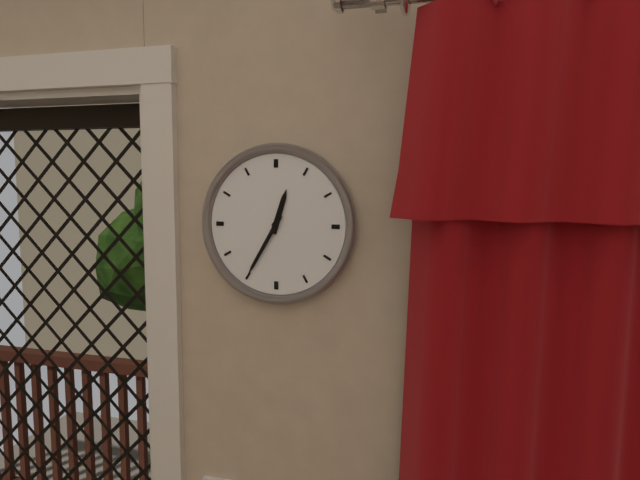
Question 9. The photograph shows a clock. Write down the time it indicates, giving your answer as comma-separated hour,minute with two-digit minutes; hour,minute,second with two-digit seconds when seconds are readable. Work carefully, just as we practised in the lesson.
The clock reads 12,35
